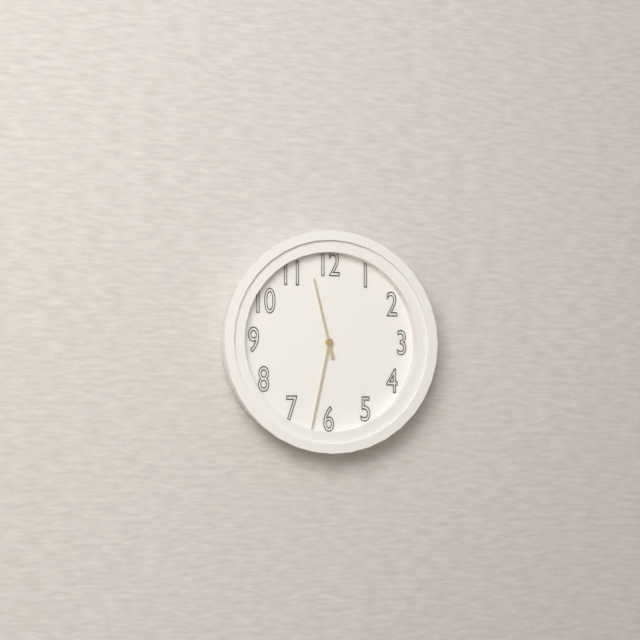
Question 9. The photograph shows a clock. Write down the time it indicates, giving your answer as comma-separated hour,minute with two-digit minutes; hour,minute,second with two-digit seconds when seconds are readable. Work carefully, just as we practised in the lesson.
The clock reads 11,32
